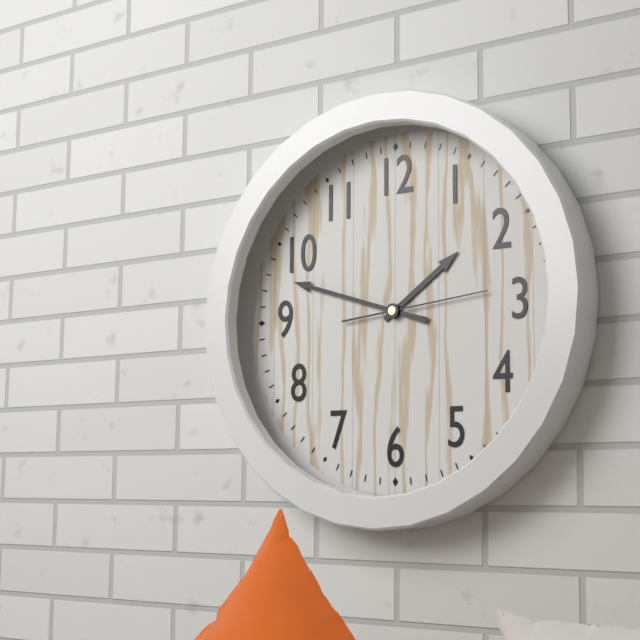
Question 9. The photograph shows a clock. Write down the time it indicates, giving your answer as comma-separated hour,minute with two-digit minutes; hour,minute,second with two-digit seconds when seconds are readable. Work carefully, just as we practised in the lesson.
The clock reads 1,48,14
